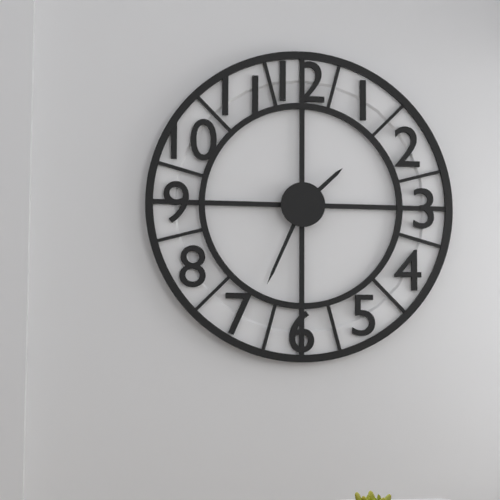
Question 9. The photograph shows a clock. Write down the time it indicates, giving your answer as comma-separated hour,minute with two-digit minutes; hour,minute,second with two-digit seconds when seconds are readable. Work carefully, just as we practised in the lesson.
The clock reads 1,34
